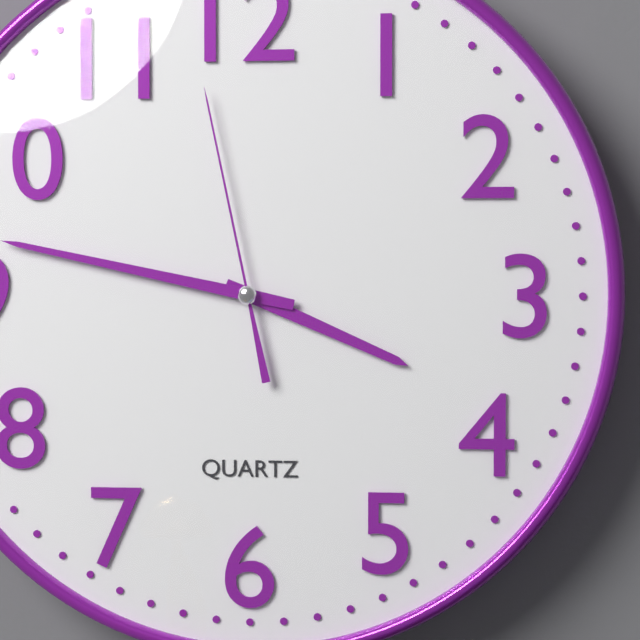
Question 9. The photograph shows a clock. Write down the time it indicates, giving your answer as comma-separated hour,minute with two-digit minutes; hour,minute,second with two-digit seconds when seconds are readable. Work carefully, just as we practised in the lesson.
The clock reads 3,47,58
